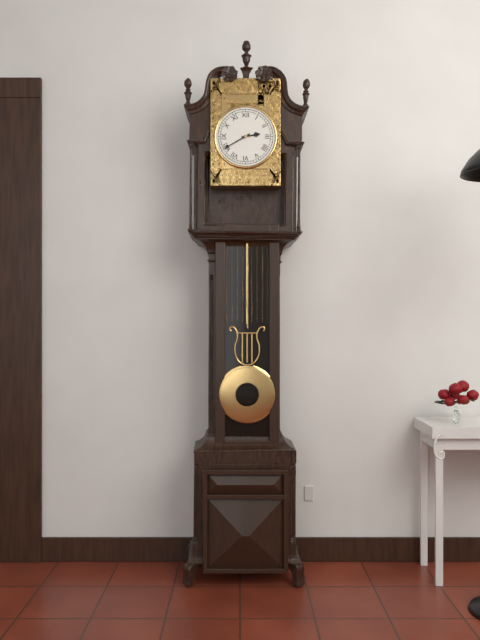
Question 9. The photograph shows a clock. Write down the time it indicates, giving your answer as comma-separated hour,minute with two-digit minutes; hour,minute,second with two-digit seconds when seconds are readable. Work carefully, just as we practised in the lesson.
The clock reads 2,40
